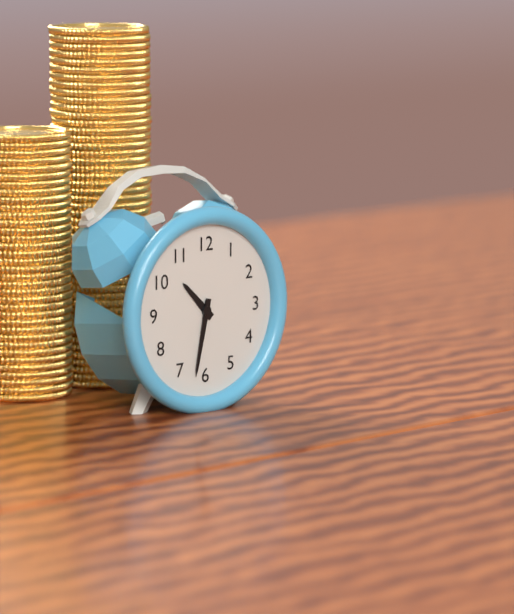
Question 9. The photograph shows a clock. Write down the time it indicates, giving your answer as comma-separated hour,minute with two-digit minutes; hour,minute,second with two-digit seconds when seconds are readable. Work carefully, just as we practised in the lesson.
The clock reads 10,32
